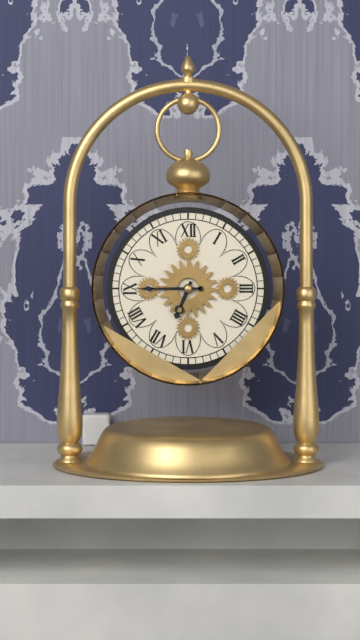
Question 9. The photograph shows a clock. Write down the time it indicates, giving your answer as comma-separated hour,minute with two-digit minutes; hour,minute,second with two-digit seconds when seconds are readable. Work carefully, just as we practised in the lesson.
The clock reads 6,45
